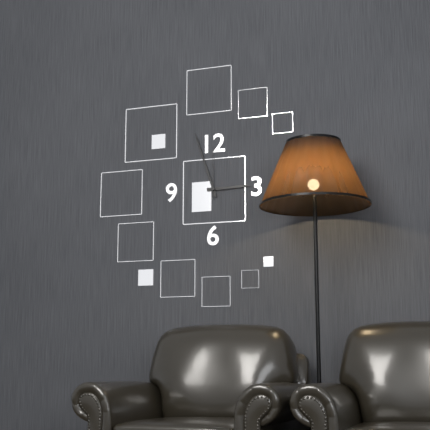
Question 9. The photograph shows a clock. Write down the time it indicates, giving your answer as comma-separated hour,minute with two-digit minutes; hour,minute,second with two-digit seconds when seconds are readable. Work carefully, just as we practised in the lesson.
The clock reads 2,57,00
